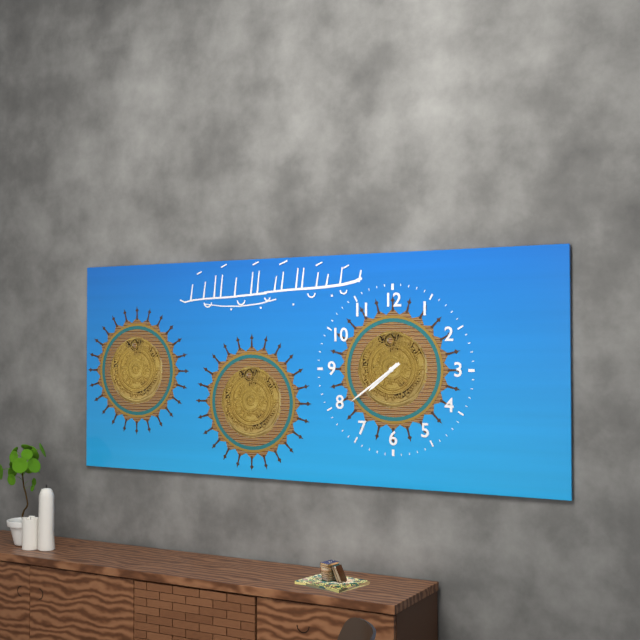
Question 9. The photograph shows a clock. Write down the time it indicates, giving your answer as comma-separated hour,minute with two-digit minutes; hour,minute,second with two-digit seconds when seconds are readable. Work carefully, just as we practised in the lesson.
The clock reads 7,39
